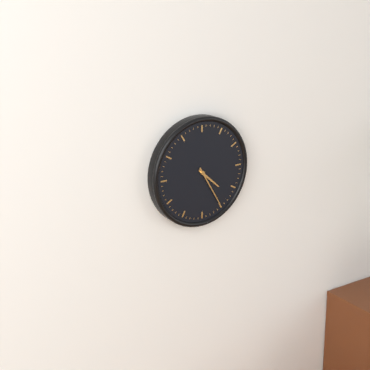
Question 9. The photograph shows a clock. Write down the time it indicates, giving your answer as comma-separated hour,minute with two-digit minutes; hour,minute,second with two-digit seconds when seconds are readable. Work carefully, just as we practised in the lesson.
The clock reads 4,25
